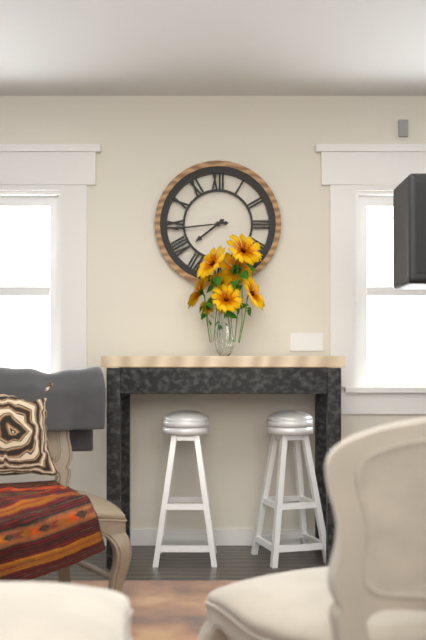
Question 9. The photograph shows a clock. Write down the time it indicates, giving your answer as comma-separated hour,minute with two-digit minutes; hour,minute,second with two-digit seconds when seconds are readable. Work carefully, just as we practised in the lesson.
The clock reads 7,44
